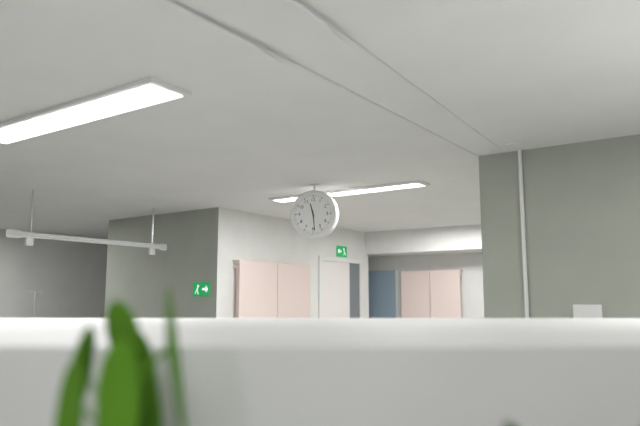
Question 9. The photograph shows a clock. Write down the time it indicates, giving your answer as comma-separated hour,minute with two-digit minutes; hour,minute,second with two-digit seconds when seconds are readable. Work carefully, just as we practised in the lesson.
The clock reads 11,29
